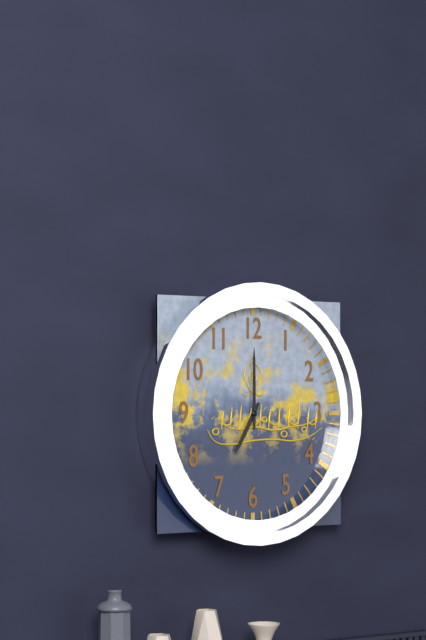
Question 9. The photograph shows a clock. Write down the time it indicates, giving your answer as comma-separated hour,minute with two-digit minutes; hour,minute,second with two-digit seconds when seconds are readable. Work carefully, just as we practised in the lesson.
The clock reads 7,00
